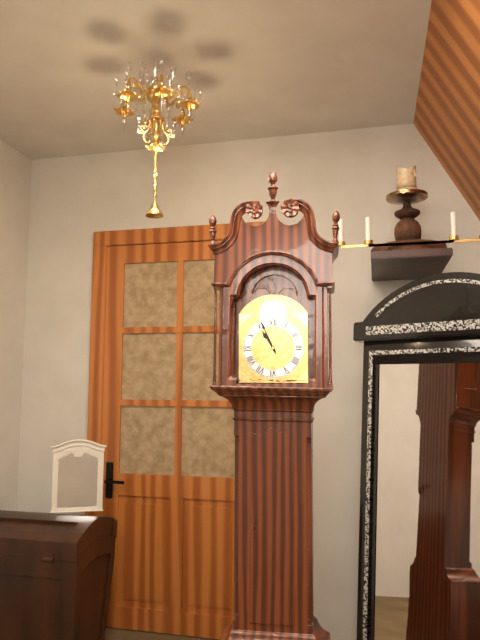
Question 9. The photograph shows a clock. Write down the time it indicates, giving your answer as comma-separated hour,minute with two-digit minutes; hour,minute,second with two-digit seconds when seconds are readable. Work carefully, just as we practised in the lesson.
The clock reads 10,56
